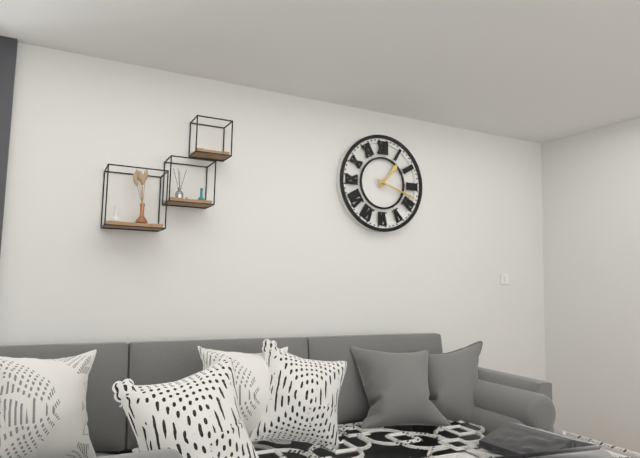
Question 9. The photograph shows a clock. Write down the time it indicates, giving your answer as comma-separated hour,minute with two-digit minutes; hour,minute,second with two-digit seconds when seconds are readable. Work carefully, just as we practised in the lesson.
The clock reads 1,18
